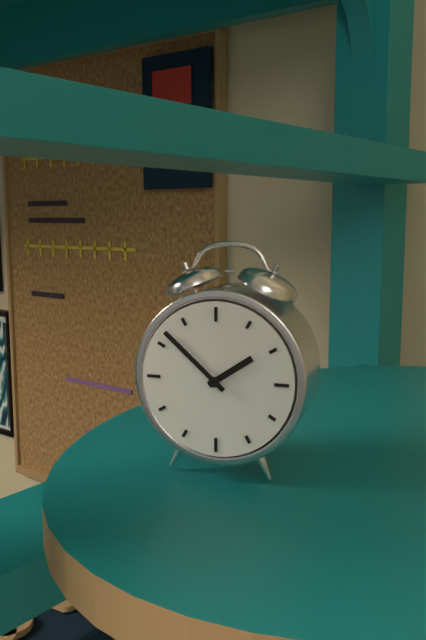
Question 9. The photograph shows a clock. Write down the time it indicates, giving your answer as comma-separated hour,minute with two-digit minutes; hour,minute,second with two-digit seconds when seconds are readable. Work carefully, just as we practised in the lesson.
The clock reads 1,52
